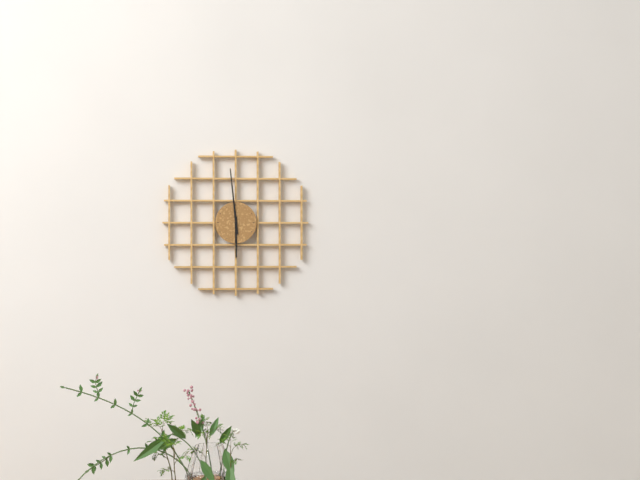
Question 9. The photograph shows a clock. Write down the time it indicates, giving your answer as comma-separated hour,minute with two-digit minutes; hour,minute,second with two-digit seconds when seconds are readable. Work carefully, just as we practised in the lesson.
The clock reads 5,59
